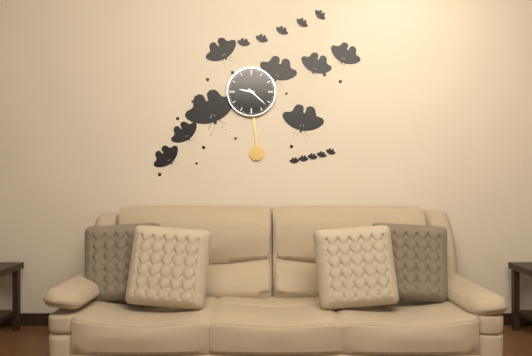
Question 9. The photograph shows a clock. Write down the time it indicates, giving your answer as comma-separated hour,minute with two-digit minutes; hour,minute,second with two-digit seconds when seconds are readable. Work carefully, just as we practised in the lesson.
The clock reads 9,22
